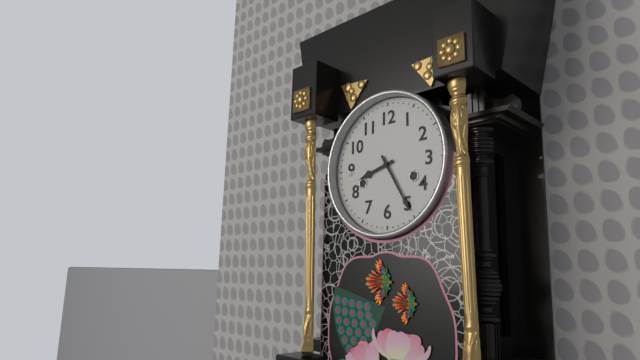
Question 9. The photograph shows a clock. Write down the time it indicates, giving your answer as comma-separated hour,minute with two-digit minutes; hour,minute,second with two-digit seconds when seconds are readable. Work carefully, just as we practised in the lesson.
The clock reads 8,25
